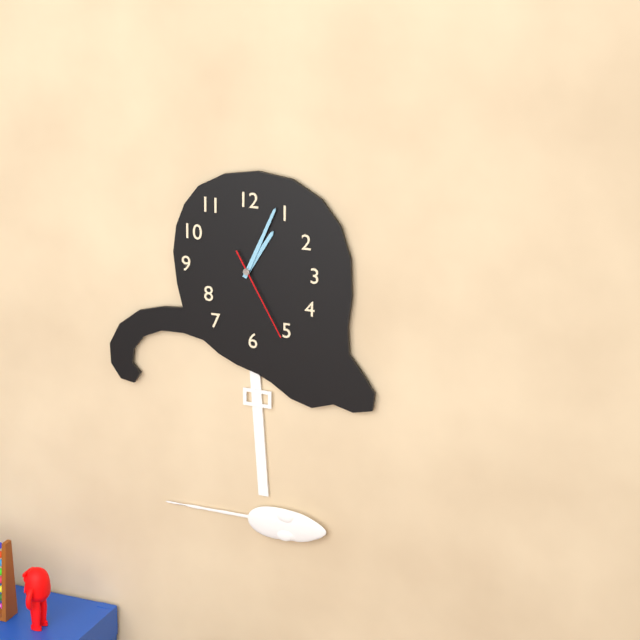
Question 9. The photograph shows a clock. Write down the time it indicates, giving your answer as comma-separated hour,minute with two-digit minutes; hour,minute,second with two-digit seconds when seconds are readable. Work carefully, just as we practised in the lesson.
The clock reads 1,04,25
